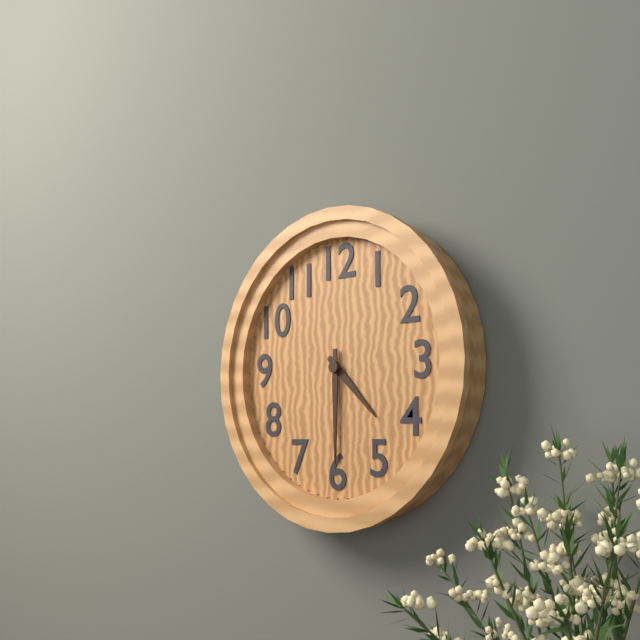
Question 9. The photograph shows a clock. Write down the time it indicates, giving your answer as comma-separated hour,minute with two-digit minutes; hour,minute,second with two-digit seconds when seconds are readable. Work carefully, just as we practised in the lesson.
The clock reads 4,30
